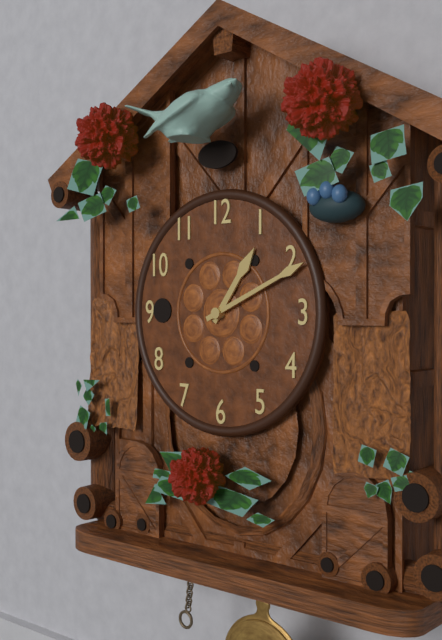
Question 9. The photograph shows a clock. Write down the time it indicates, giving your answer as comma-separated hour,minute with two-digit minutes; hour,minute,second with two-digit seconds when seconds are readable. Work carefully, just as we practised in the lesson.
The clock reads 1,11
